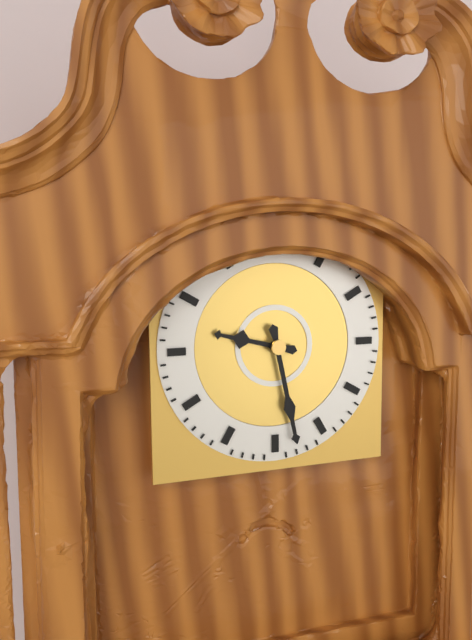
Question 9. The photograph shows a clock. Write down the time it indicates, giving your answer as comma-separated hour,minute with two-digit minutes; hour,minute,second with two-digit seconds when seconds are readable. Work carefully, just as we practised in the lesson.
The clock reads 9,28
